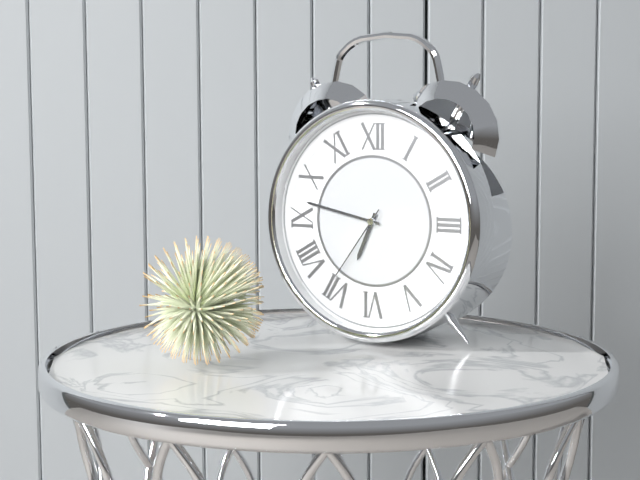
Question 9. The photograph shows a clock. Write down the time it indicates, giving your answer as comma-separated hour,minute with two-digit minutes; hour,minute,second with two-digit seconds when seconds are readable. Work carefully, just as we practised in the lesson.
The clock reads 6,47,36
